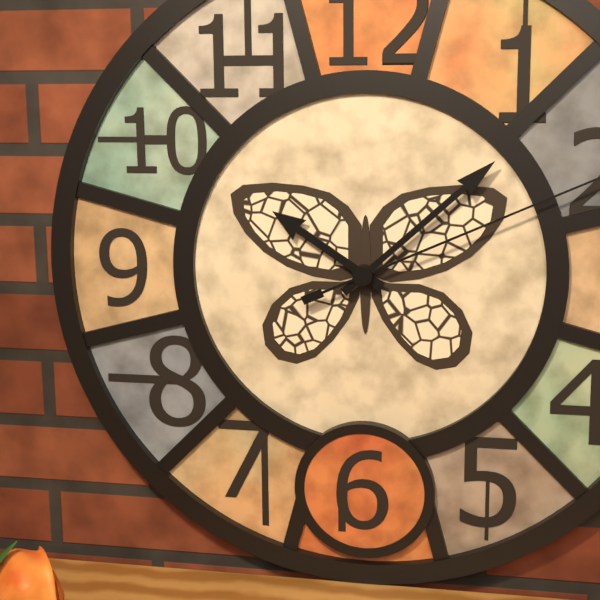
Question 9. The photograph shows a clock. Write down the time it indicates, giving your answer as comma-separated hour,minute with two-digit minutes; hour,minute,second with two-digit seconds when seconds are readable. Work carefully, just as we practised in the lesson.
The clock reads 10,08
